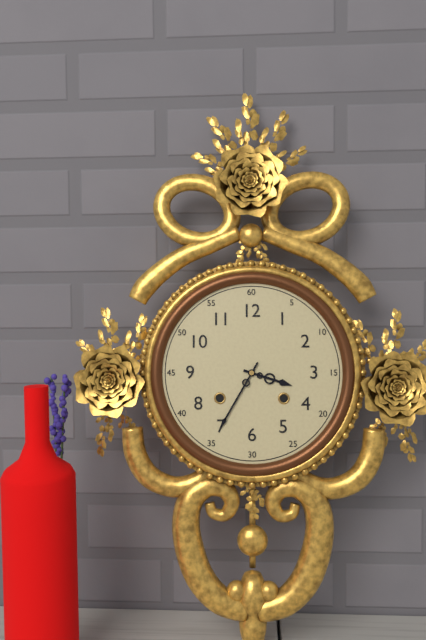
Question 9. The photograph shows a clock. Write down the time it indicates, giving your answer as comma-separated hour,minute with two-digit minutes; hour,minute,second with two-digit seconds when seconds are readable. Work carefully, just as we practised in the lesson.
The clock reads 3,35
